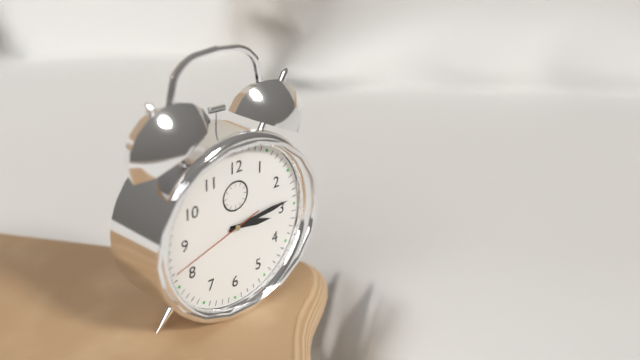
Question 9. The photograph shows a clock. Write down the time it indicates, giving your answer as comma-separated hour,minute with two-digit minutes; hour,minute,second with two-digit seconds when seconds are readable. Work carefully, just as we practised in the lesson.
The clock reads 3,14,42
